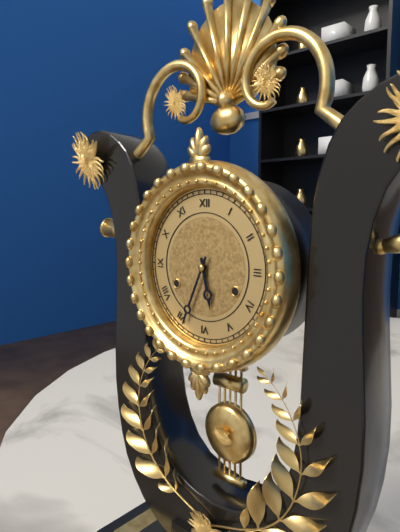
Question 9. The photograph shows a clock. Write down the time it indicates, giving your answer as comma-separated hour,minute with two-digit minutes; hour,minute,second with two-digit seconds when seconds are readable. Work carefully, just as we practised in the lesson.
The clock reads 5,34
